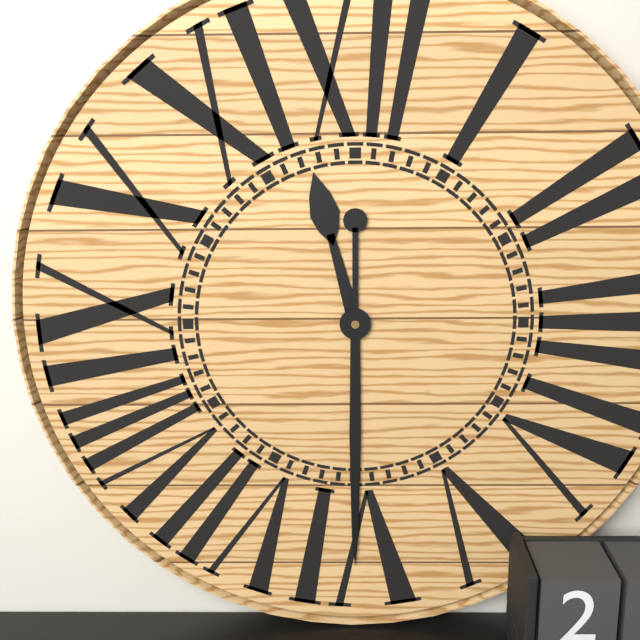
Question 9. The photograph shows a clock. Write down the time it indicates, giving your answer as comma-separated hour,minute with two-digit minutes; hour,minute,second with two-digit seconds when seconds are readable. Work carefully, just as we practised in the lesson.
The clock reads 11,30
